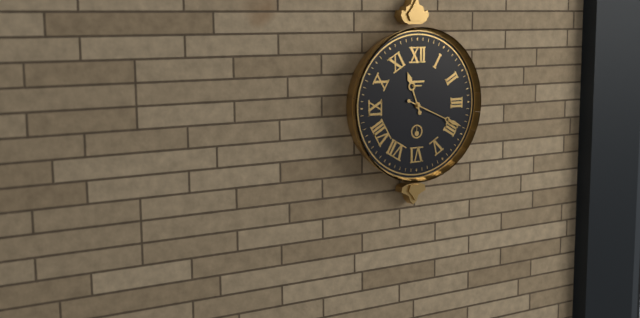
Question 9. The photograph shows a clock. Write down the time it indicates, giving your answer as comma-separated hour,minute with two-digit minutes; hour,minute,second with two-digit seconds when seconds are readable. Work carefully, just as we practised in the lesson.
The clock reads 11,19
